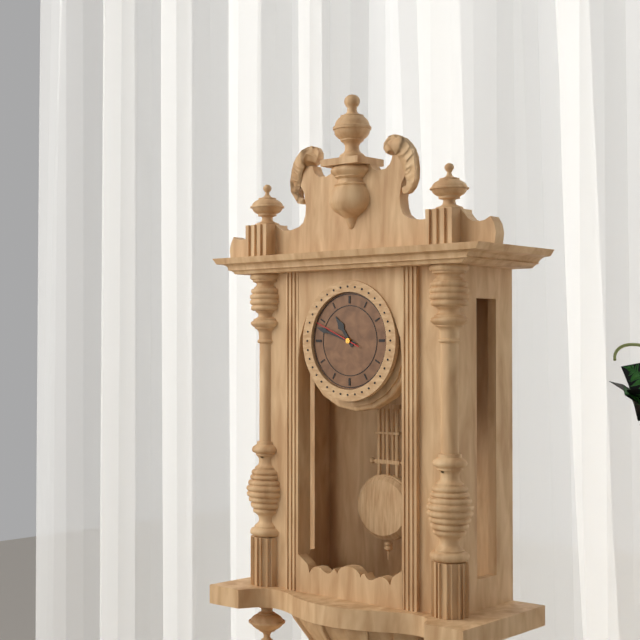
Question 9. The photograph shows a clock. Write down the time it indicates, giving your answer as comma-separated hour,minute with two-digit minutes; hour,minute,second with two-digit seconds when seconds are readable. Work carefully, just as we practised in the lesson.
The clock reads 10,48
